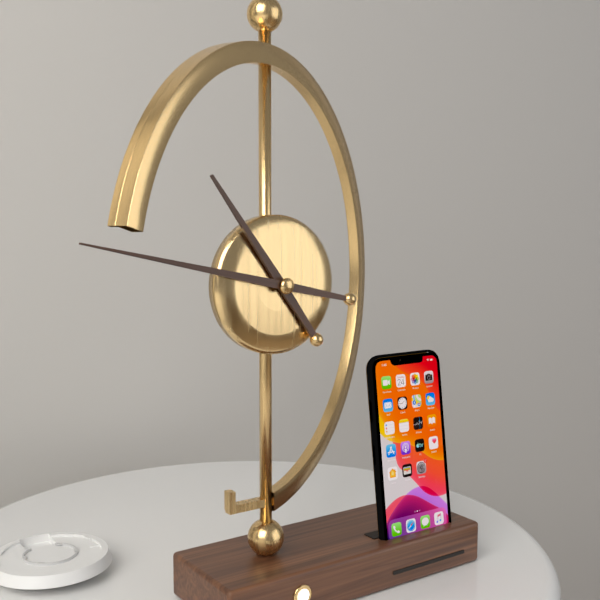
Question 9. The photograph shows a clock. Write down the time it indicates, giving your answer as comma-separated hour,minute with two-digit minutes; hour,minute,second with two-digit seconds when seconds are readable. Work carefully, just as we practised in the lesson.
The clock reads 10,47
